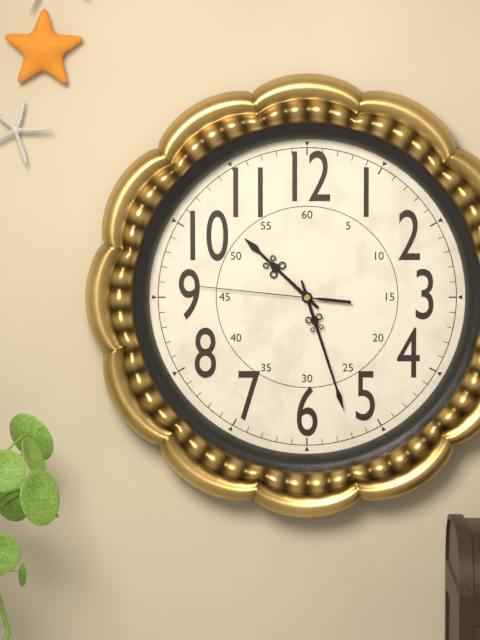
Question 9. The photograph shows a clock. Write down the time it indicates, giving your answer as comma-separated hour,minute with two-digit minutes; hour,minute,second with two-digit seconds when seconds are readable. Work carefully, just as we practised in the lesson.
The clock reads 10,27,46
